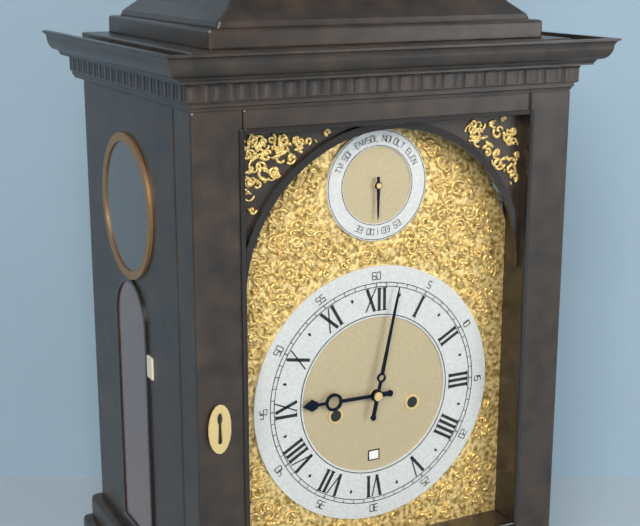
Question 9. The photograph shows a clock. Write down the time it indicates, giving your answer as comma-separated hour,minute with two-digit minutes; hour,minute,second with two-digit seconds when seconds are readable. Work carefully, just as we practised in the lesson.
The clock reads 9,02
